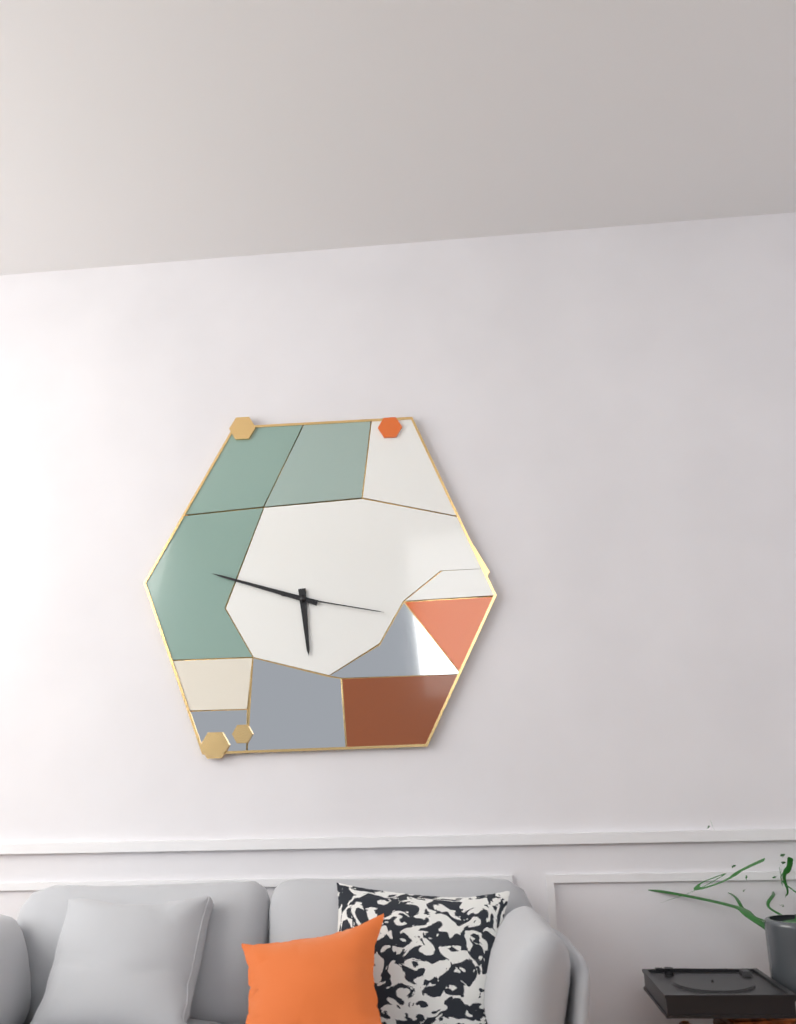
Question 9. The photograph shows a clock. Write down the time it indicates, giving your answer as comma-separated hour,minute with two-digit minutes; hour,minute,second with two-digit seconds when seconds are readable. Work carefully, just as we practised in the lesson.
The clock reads 5,48,17
